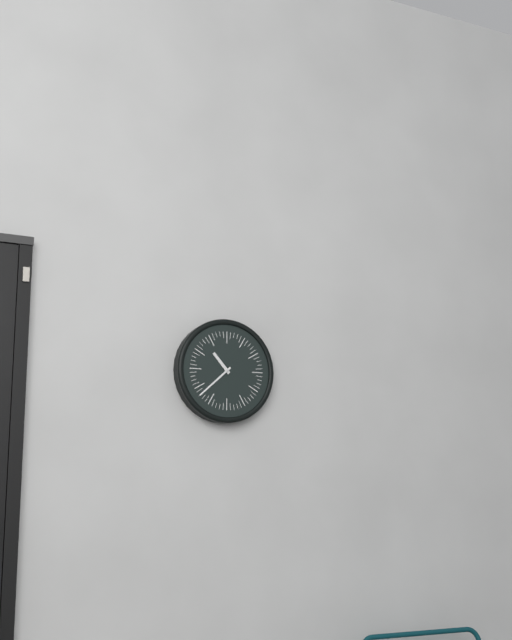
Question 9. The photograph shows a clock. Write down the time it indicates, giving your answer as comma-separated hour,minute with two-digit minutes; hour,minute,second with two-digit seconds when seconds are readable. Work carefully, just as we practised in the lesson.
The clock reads 10,38
